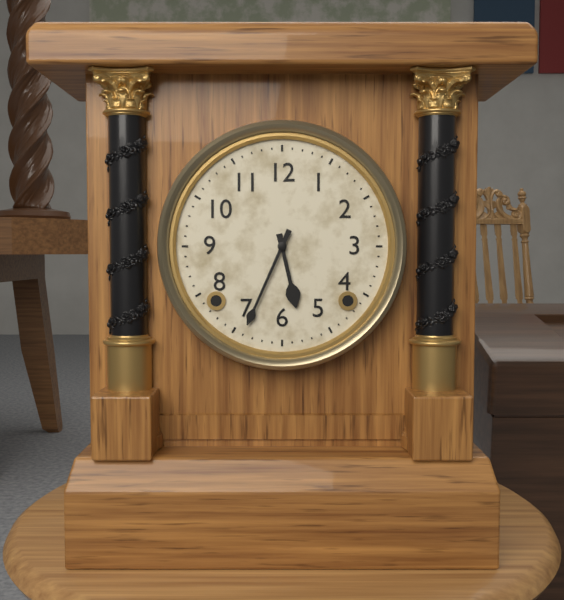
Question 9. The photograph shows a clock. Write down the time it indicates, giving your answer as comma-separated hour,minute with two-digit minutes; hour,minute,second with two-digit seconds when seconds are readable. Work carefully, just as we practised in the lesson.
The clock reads 5,34
